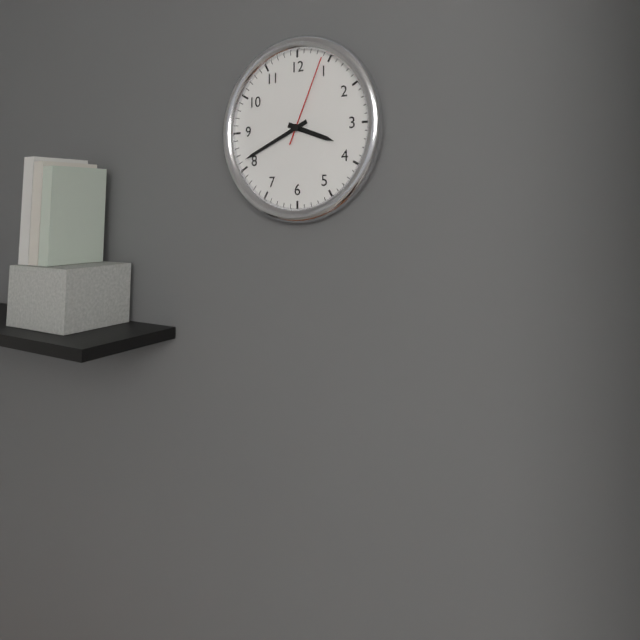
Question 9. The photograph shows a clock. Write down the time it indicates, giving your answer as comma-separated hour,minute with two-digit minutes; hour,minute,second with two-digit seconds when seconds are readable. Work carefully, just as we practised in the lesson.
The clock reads 3,41,04
